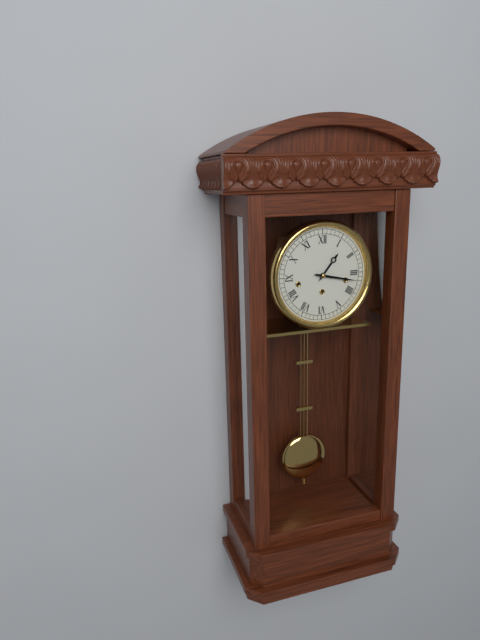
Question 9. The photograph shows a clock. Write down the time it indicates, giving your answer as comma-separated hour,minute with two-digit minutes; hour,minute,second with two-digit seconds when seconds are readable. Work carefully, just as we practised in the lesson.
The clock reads 1,17
